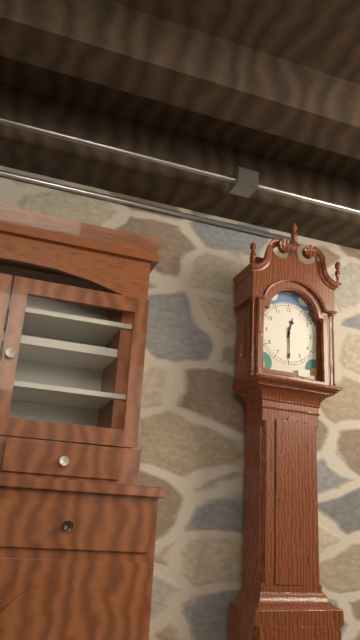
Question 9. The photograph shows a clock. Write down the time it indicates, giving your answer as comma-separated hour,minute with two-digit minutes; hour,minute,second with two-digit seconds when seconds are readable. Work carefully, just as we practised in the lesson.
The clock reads 12,30
